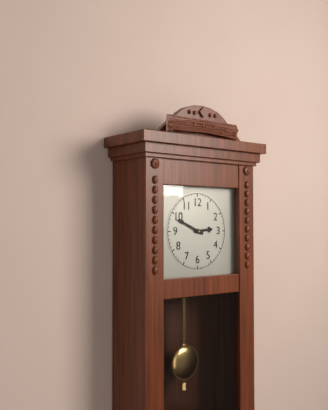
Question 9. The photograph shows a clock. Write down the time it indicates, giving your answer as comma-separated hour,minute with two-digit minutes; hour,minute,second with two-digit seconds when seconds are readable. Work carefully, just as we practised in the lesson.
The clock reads 2,49
